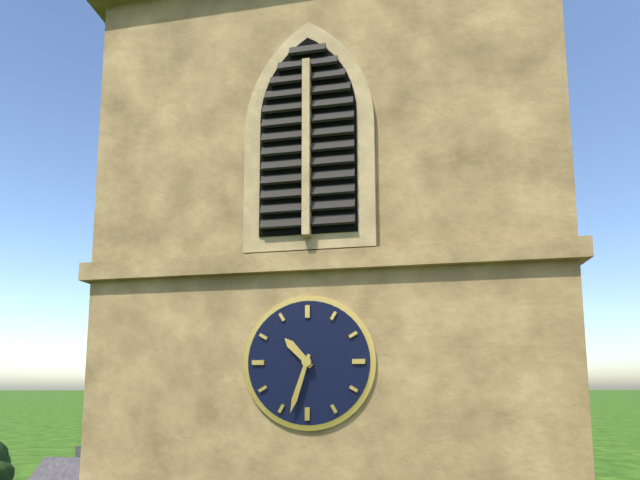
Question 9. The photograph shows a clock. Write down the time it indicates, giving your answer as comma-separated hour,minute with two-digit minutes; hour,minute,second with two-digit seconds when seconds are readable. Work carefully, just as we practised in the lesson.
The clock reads 10,33
